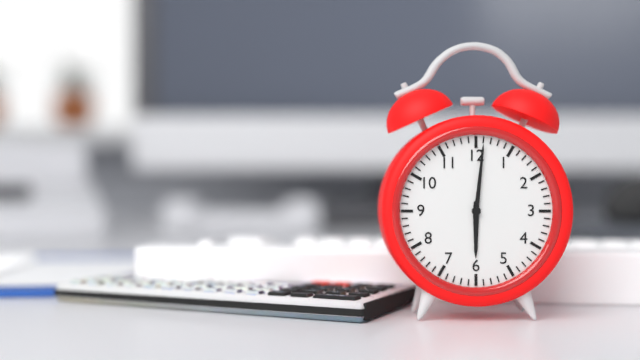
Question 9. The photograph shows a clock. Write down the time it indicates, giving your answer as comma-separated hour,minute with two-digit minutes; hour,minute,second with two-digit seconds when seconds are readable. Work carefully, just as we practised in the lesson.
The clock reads 6,01
